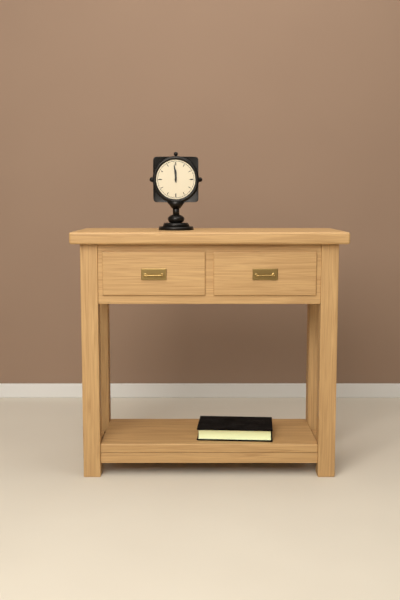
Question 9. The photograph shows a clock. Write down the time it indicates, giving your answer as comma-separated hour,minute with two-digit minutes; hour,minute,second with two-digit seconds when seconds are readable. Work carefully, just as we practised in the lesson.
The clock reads 11,59
